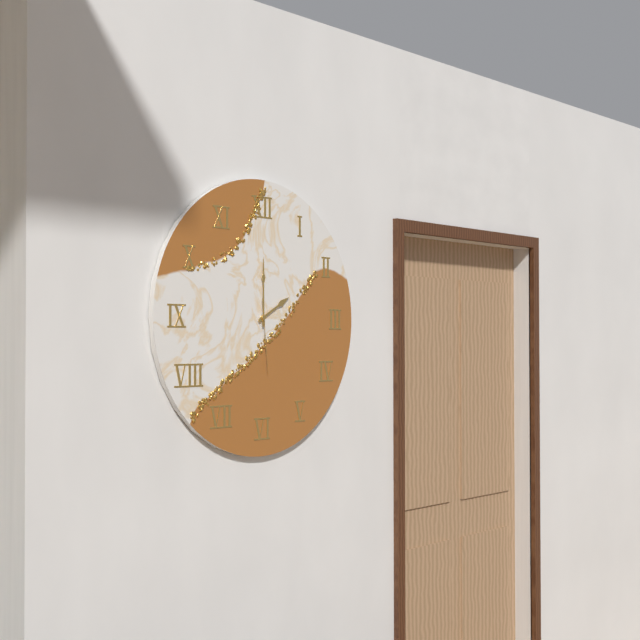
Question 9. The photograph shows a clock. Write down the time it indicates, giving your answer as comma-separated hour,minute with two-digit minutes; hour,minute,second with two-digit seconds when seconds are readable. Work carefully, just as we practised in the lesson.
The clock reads 2,00,29
